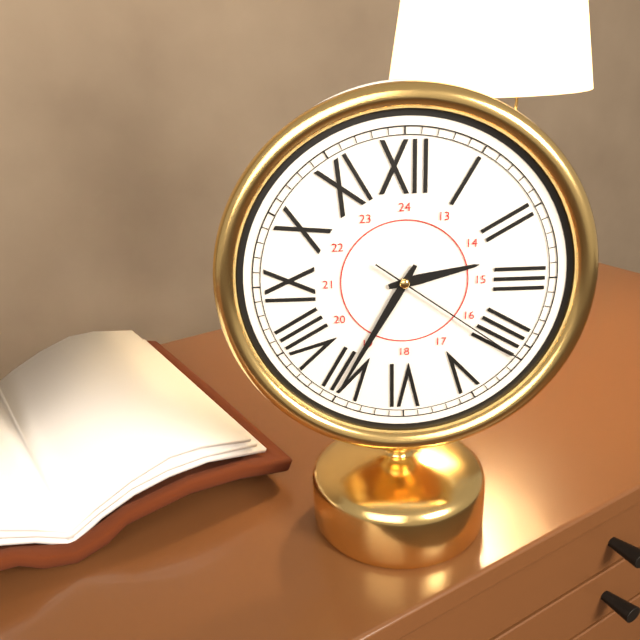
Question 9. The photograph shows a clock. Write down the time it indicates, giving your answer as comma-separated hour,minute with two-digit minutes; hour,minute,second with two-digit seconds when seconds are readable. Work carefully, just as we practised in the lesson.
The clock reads 2,35,21
